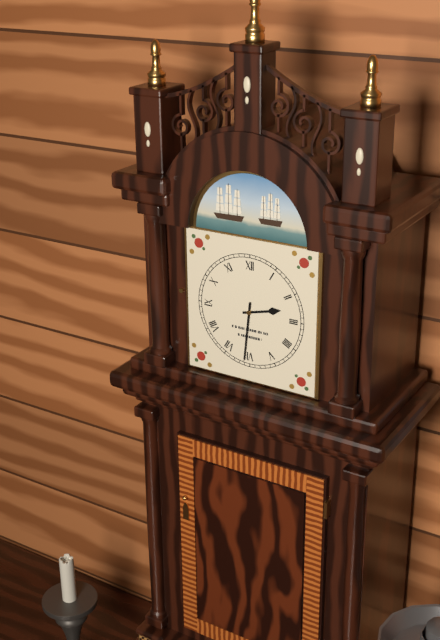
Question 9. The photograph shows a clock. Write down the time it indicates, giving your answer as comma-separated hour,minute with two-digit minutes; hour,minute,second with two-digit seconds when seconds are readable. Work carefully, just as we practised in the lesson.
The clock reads 2,31
